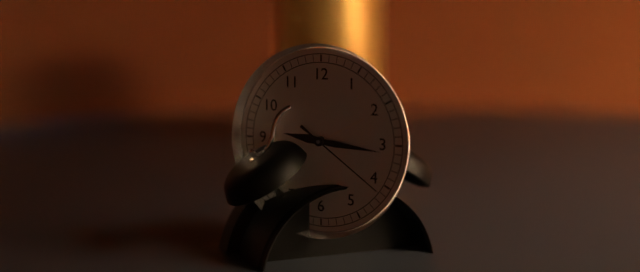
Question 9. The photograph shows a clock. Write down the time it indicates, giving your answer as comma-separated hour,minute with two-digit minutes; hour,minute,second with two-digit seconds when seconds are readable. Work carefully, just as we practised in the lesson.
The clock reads 9,16,21
